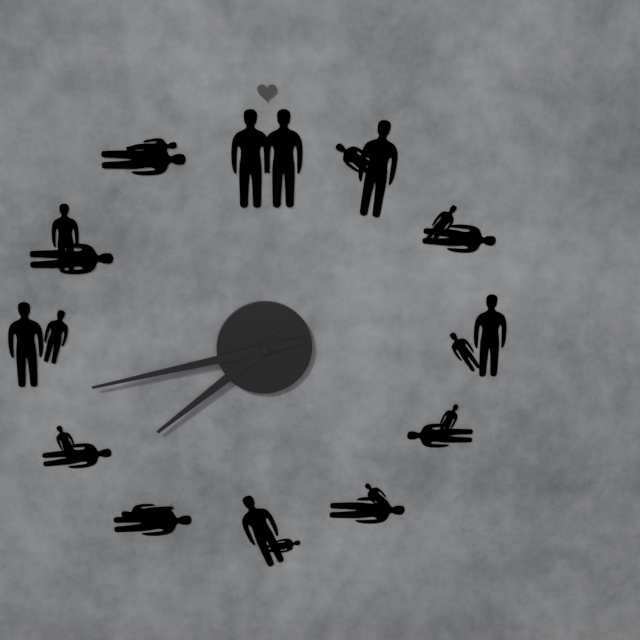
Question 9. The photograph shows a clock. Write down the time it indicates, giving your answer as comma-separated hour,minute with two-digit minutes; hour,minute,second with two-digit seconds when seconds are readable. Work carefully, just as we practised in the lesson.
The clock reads 7,43
